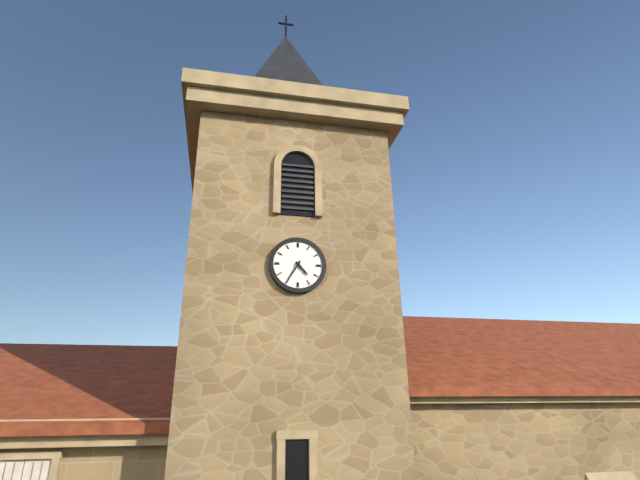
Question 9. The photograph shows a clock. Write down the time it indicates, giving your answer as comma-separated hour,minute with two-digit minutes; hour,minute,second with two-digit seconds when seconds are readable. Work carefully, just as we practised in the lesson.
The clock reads 4,35
